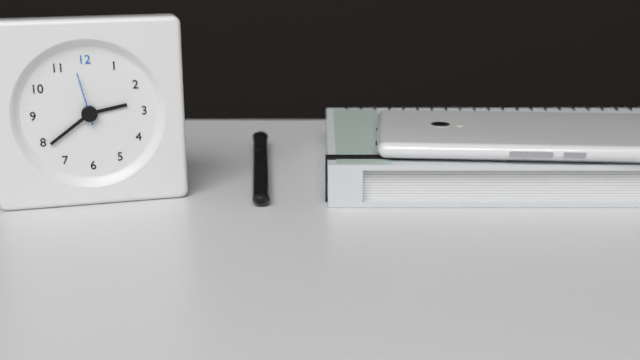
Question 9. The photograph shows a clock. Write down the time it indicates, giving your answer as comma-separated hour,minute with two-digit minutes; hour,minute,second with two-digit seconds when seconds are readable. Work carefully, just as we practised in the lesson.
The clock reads 2,39,58
